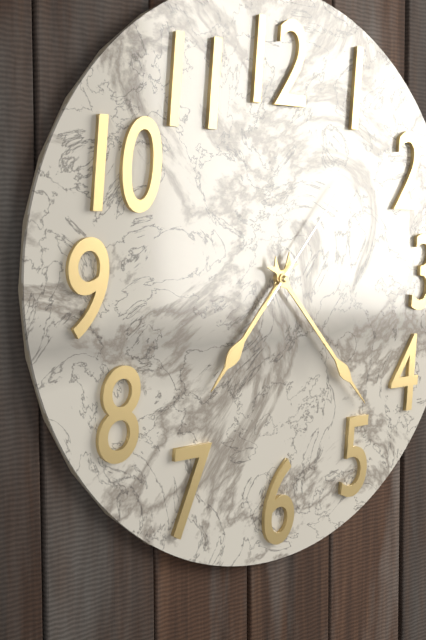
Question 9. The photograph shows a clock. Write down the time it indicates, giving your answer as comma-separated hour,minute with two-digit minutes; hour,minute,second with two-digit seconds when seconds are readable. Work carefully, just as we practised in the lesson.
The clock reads 7,23,07
